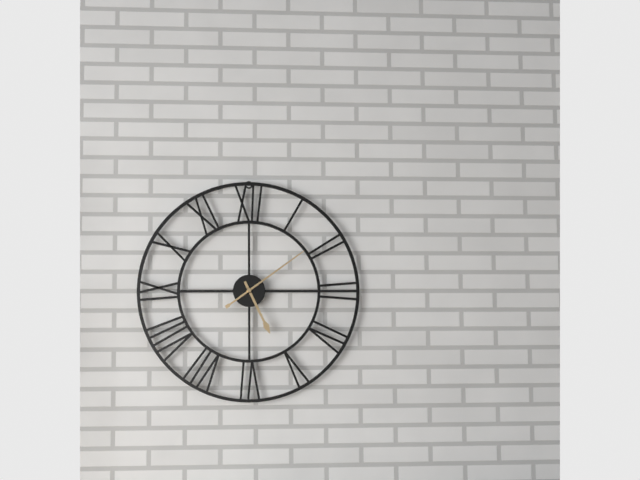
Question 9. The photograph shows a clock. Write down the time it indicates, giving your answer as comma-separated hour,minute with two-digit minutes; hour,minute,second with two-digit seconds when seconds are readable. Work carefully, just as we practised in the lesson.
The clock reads 5,09
